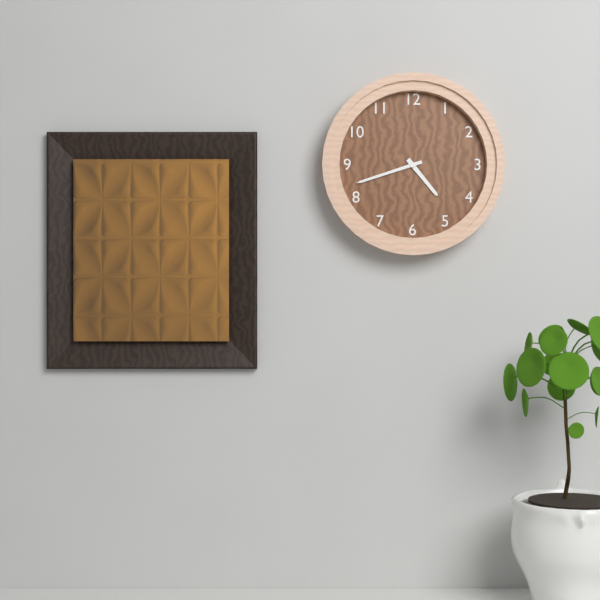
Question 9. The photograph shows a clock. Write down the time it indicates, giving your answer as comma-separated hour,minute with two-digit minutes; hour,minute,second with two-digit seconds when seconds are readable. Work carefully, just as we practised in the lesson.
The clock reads 4,42
